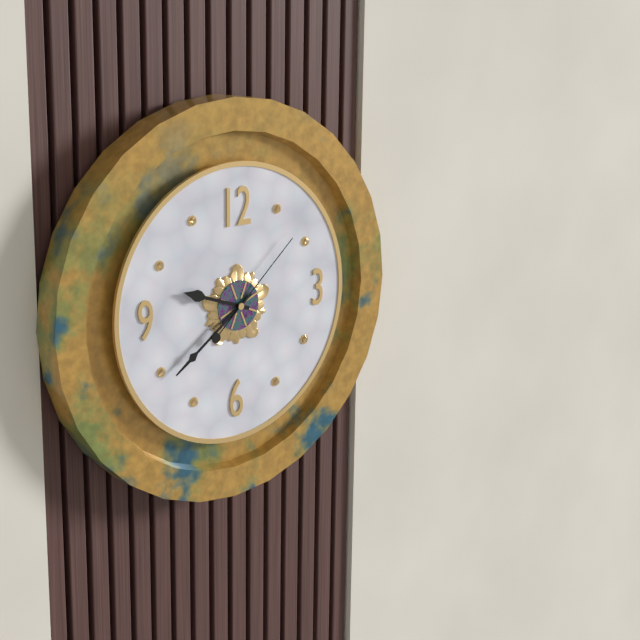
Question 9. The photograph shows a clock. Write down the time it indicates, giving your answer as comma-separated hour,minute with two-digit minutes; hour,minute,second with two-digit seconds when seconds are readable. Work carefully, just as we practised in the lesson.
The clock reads 9,39,08
